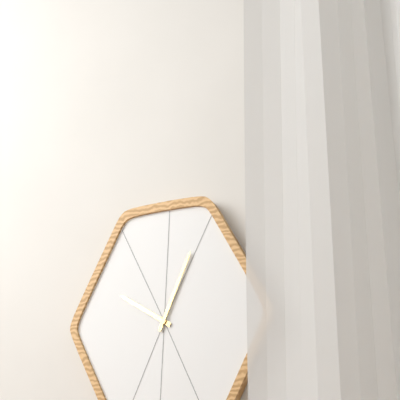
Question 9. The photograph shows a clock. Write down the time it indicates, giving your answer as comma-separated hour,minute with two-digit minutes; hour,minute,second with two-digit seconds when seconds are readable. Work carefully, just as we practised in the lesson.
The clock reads 10,04
